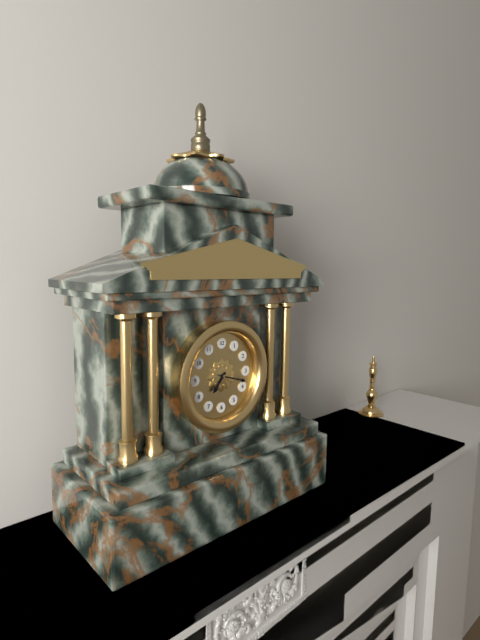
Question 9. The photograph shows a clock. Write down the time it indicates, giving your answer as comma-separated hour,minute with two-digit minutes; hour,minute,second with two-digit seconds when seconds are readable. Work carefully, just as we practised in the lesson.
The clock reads 7,18
